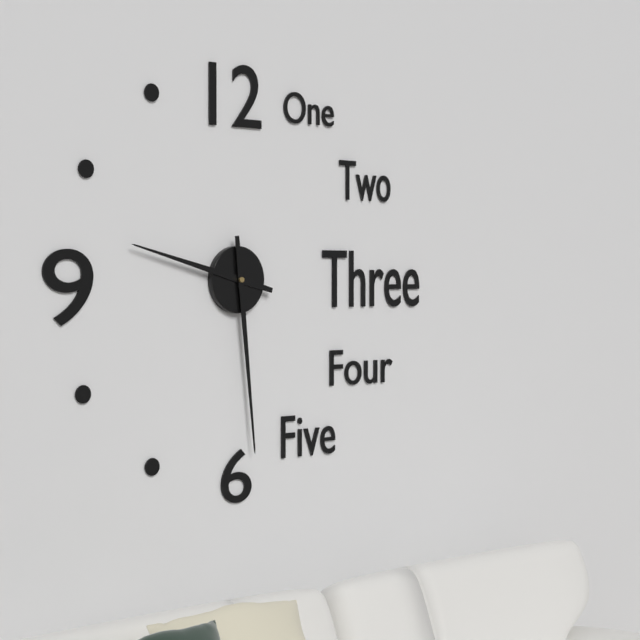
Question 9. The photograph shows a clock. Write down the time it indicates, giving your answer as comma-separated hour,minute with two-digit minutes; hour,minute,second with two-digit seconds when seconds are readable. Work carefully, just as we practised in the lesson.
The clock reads 9,29
